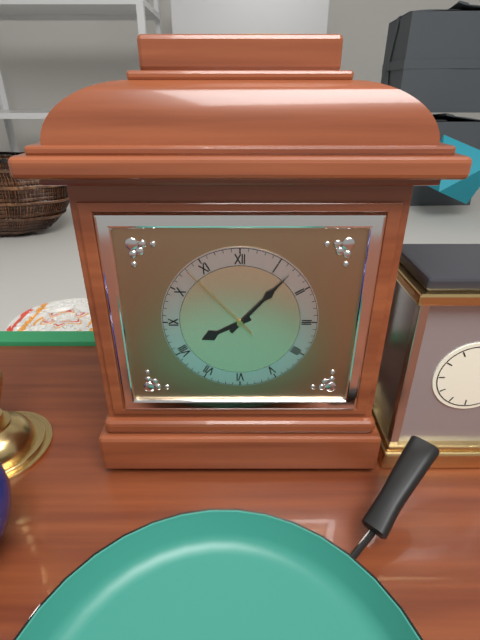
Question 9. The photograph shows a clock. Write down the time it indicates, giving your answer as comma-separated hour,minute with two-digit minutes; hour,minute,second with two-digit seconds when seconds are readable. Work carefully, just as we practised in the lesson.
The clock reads 8,07,53
